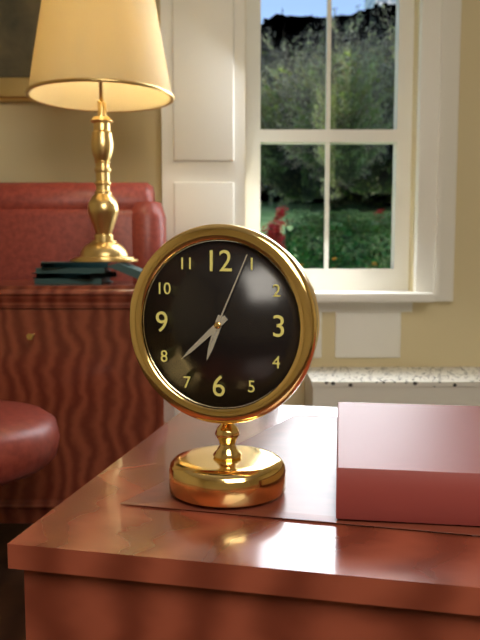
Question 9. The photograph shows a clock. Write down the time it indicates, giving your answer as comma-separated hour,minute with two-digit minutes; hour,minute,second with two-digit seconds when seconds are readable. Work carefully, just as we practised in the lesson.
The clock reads 6,38,04
